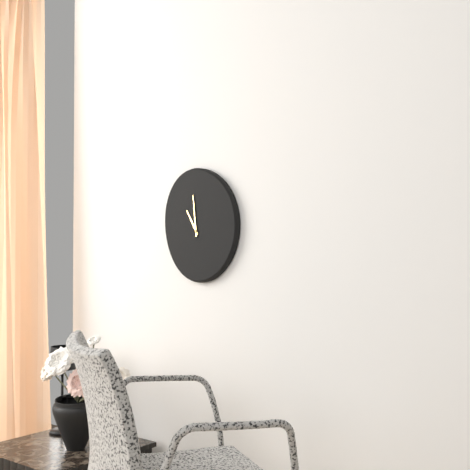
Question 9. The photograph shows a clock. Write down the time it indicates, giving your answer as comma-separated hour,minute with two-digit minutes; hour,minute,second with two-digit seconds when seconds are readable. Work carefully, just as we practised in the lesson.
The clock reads 10,59
